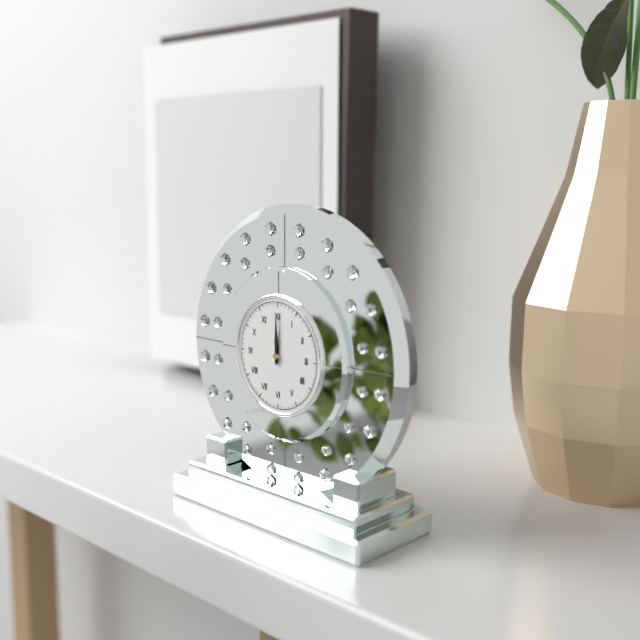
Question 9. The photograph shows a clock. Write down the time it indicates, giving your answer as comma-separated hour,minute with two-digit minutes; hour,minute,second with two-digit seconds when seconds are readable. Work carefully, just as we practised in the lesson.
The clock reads 12,00
